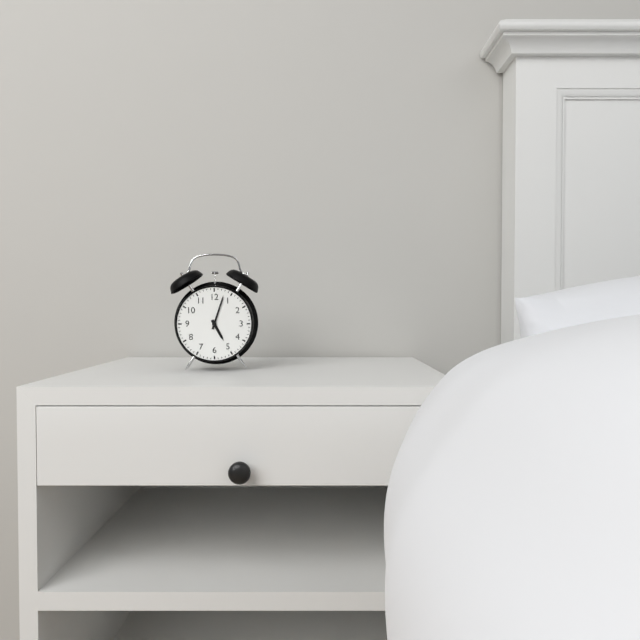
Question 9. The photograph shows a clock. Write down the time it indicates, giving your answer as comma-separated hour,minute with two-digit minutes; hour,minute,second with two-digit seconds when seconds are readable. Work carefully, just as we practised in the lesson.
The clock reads 5,03
